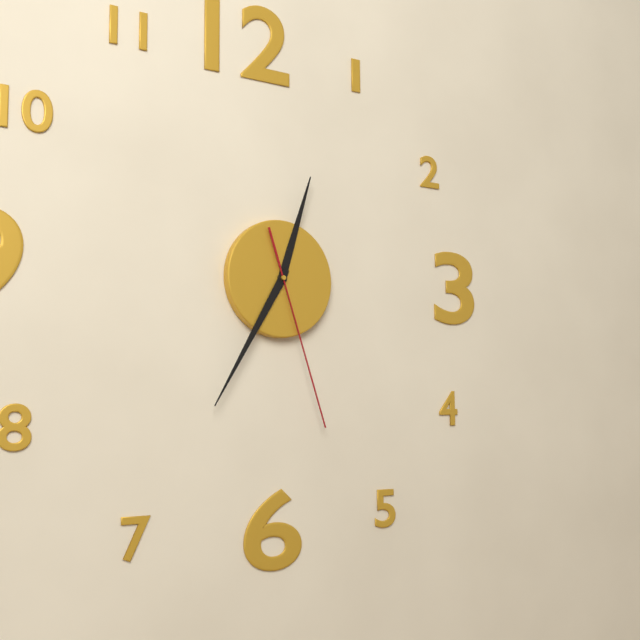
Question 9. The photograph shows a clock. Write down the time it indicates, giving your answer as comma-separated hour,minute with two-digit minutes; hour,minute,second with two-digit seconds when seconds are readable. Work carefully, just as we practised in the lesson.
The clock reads 12,35,27
